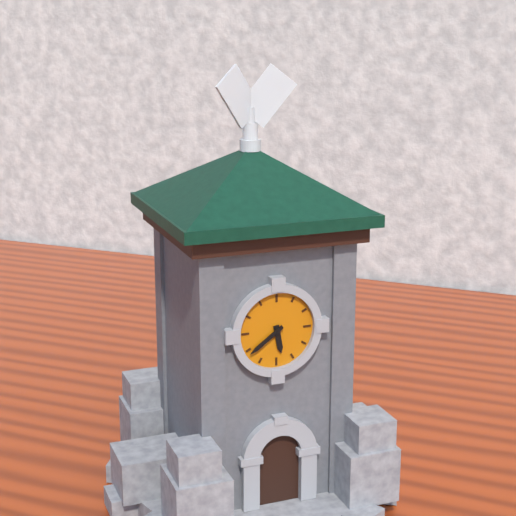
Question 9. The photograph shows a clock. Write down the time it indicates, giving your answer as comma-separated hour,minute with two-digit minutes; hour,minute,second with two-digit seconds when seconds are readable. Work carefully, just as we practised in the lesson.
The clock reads 5,39
